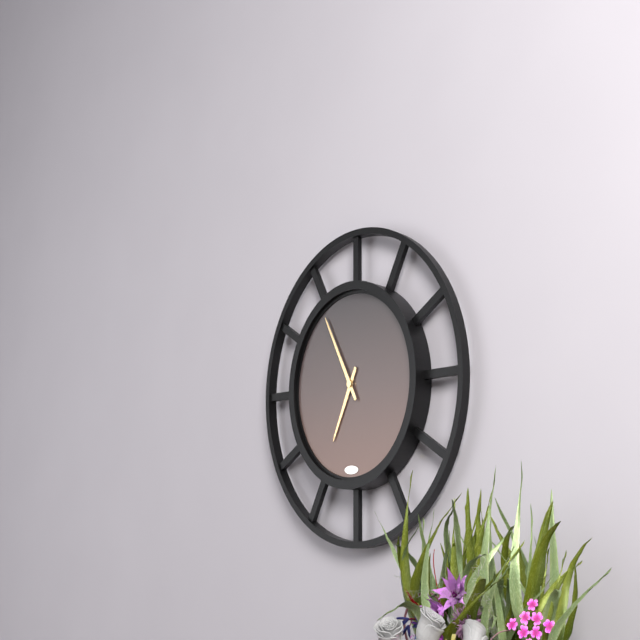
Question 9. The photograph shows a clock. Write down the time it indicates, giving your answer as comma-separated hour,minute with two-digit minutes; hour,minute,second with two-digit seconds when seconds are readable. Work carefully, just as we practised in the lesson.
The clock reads 6,55
